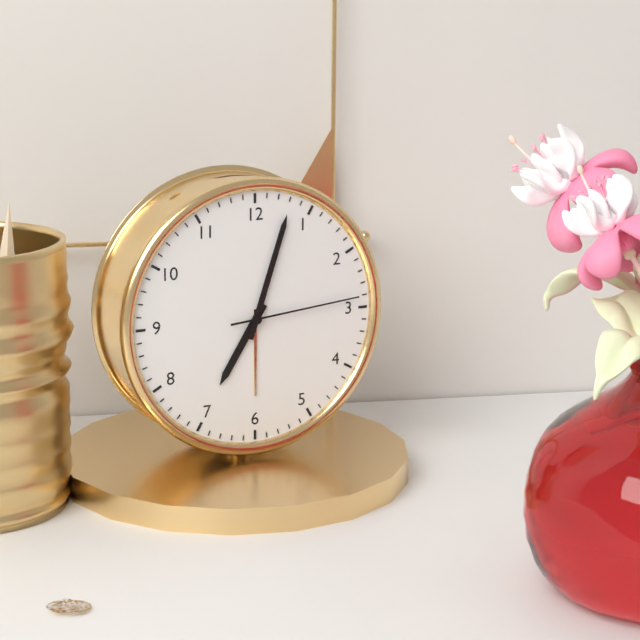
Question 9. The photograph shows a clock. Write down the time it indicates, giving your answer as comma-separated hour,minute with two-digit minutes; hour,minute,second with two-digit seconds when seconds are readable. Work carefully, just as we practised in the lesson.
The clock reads 7,03,14
